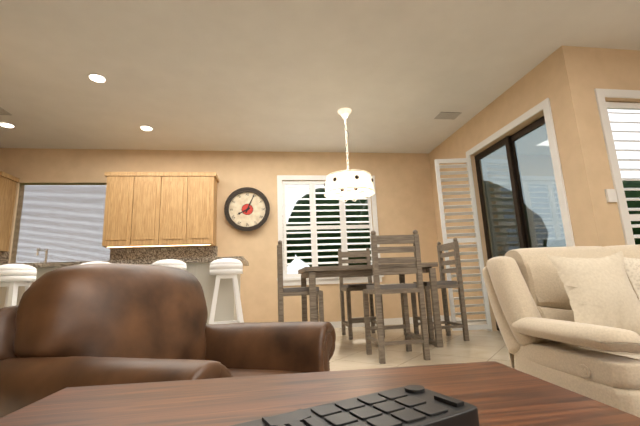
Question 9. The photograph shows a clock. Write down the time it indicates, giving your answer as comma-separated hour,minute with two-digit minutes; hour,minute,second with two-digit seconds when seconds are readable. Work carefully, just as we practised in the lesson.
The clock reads 8,04
